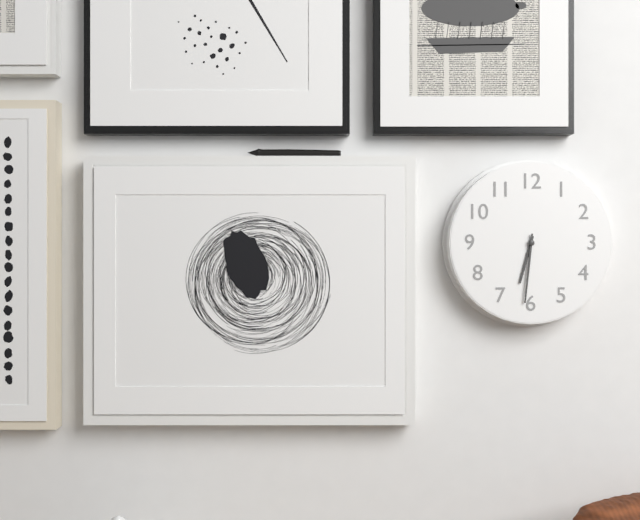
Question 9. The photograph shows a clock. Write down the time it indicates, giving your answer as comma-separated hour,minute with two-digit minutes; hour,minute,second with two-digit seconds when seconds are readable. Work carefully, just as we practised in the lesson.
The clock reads 6,31
